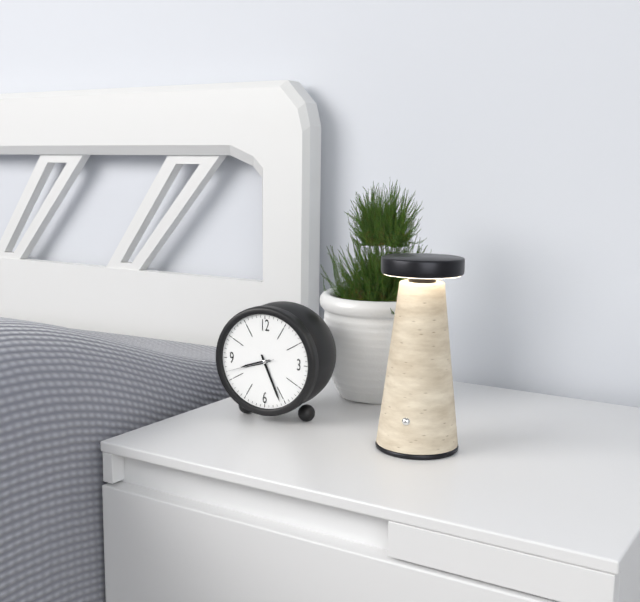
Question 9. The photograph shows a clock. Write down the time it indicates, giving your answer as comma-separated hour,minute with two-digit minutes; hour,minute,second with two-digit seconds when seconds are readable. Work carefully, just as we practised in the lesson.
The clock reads 8,26
